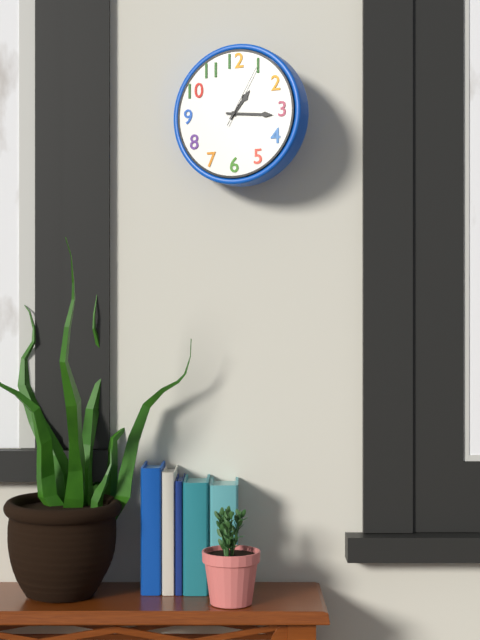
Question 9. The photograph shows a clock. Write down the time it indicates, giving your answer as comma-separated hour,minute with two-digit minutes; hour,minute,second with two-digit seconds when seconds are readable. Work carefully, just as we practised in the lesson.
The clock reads 1,16,05
